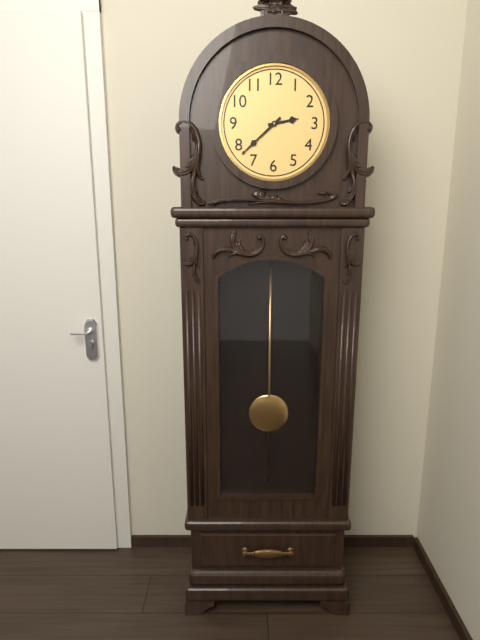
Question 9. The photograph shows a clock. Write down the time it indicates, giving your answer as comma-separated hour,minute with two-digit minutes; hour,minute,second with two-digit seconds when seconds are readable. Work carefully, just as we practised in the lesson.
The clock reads 2,38
